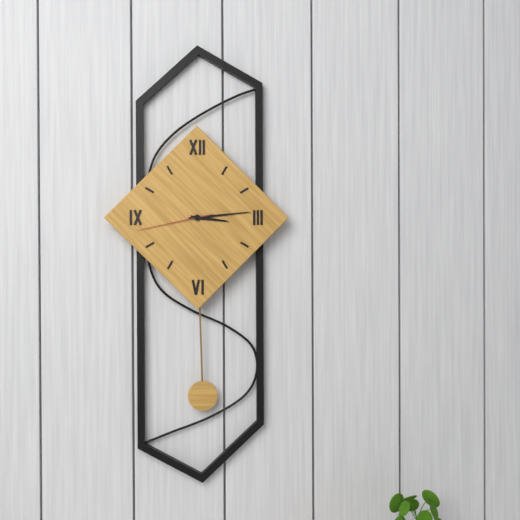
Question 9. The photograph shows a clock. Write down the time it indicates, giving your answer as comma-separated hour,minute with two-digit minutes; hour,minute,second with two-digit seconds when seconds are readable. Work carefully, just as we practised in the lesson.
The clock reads 3,14,43
